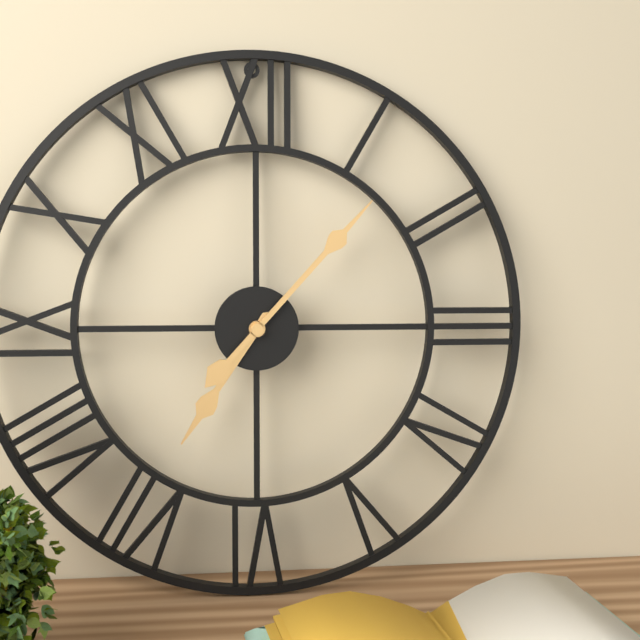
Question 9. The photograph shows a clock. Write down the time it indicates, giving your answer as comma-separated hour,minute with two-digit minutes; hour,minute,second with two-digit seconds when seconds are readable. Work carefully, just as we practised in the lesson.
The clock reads 7,07
